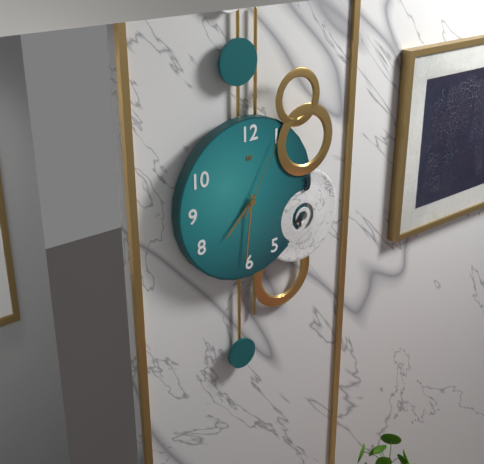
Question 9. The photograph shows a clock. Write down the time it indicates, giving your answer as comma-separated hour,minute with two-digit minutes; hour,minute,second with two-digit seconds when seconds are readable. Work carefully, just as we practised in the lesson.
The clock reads 7,31,05
